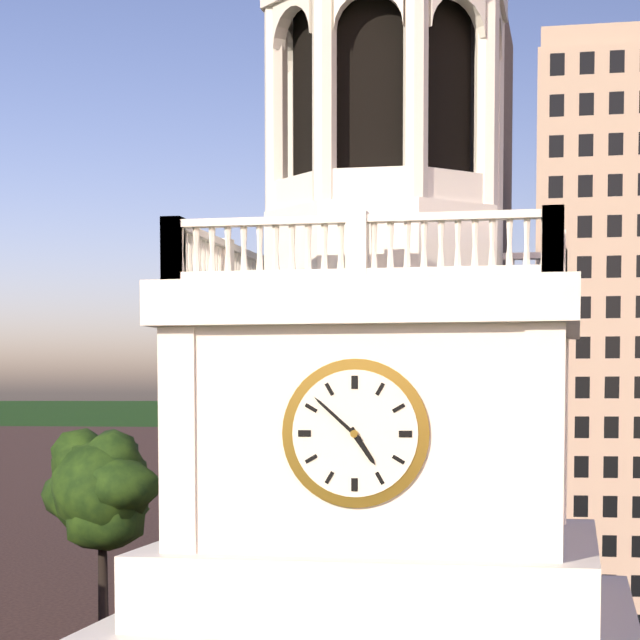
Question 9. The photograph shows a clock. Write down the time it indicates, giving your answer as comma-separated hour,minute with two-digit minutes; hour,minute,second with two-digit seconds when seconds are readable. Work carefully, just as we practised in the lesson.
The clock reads 4,52
